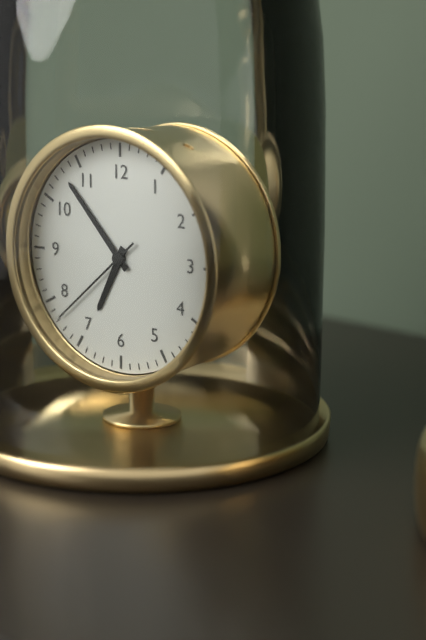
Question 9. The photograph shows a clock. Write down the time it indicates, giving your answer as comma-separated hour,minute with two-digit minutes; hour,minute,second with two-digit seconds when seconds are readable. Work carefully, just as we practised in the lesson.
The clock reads 6,53,38
